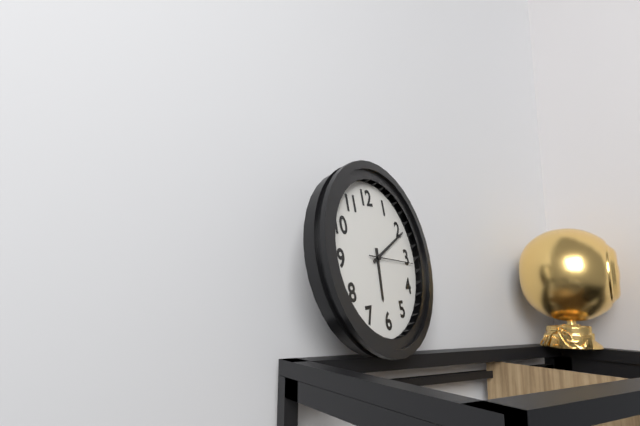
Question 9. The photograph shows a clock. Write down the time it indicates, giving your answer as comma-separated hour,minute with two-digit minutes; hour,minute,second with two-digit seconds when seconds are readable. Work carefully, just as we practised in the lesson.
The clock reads 6,11
